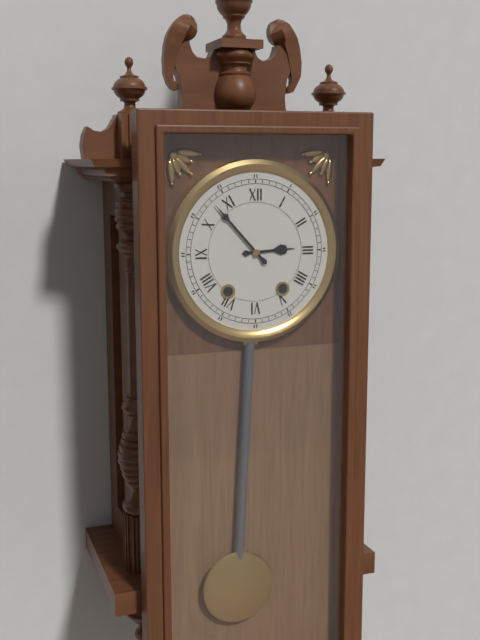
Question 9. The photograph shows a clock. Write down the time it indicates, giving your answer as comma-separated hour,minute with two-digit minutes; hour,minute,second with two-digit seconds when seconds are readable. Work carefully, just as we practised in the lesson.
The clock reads 2,53
